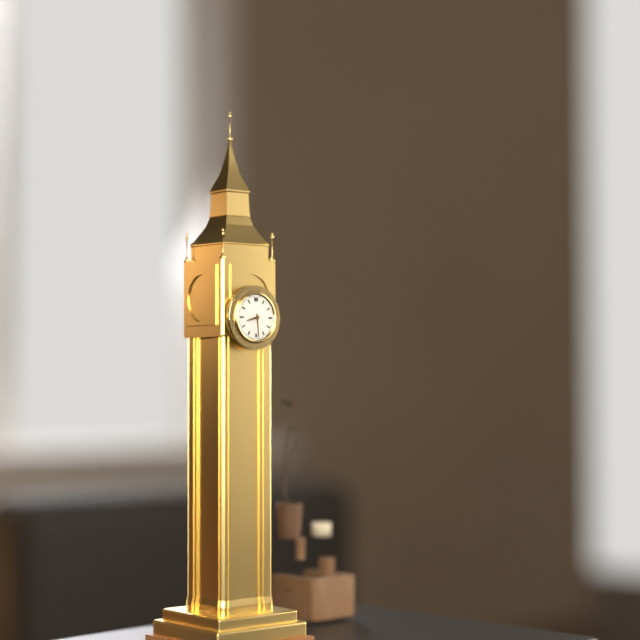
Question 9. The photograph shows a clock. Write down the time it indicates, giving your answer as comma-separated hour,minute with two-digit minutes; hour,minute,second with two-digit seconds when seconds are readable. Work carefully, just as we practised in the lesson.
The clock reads 8,29
